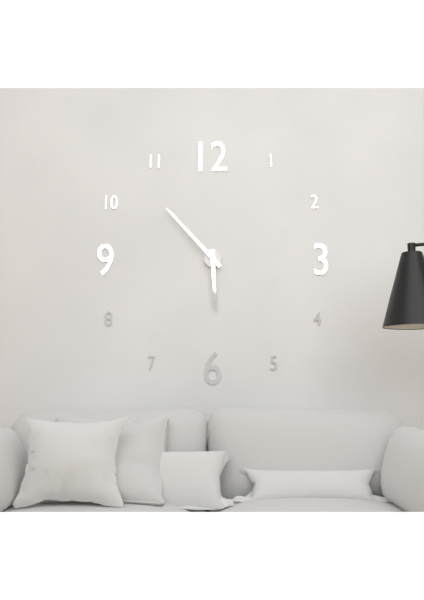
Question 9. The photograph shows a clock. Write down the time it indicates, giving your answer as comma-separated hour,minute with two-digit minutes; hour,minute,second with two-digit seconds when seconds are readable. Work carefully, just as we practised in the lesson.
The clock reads 5,53
